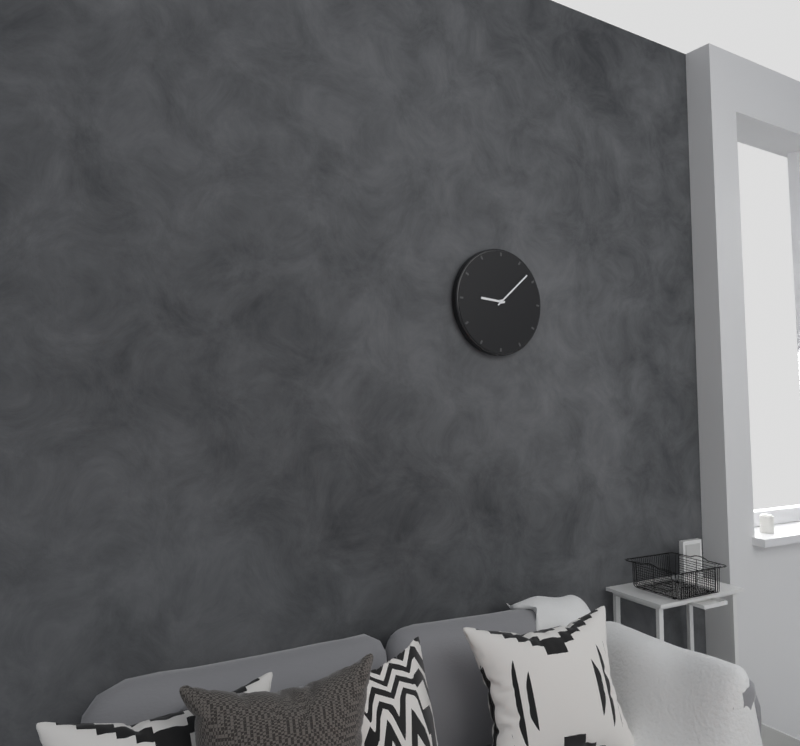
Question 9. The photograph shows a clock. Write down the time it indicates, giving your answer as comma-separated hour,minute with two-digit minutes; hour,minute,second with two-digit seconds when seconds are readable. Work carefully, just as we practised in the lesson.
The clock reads 9,08
